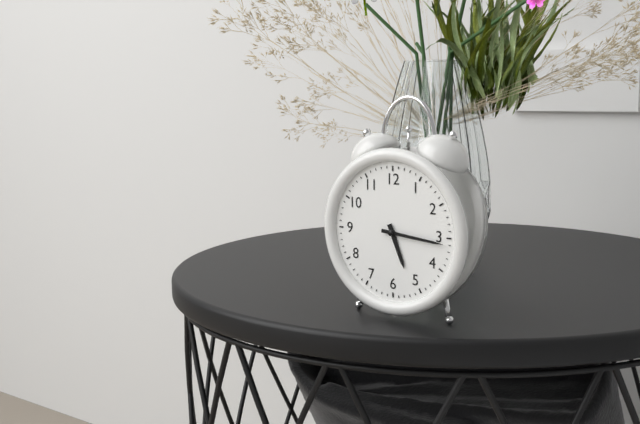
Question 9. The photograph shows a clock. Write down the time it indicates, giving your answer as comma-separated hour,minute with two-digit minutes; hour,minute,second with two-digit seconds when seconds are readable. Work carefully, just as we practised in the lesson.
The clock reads 5,16
